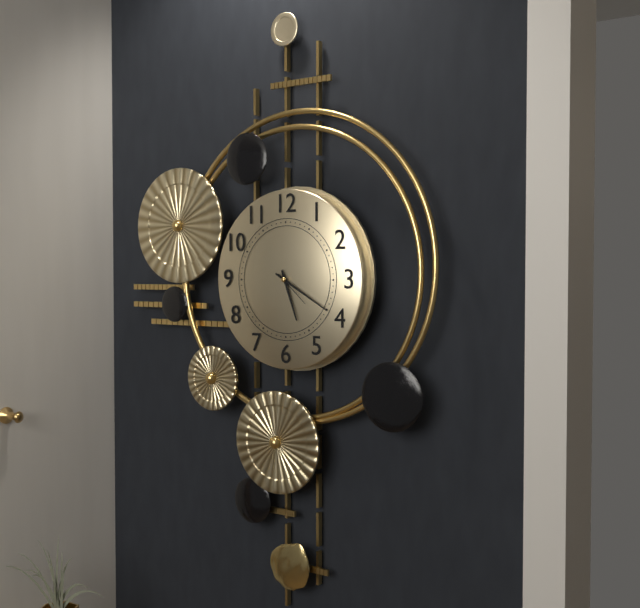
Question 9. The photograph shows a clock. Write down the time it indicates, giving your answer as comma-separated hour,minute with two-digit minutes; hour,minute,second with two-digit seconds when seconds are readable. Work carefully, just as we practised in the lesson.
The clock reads 5,20
